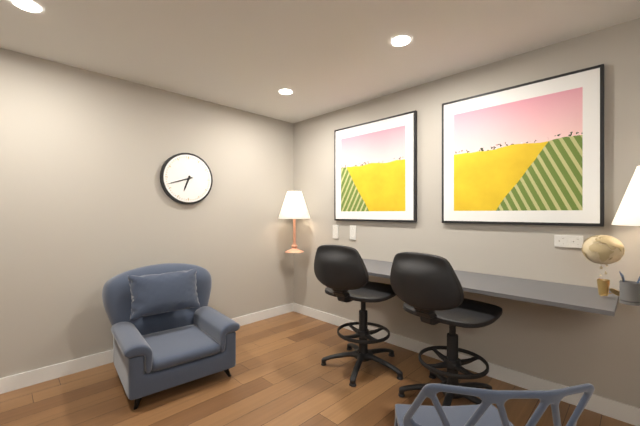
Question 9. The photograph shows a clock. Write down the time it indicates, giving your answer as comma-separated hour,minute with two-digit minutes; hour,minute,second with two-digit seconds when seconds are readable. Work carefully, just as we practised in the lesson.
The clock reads 6,42
